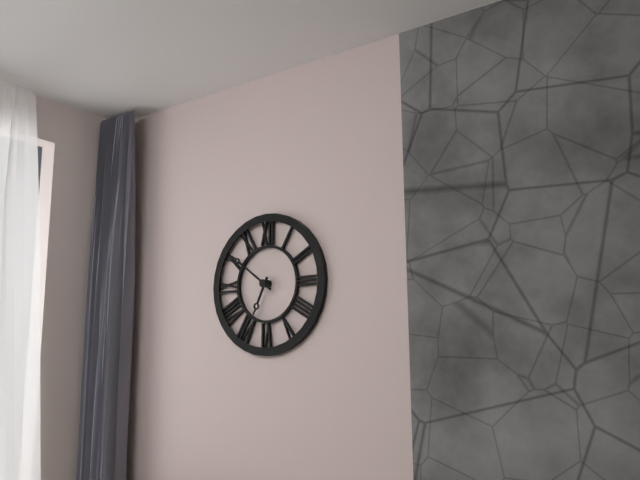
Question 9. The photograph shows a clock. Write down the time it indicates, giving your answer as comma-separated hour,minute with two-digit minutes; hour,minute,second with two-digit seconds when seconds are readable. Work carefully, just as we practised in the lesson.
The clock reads 6,51
